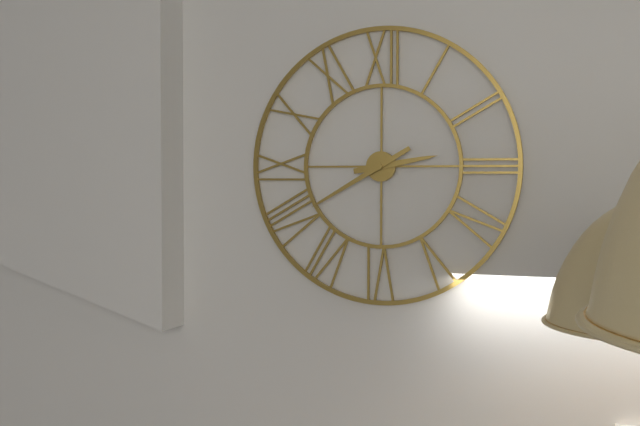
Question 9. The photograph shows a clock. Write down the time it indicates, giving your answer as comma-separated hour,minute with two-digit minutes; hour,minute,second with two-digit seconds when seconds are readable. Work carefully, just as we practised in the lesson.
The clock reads 2,40
